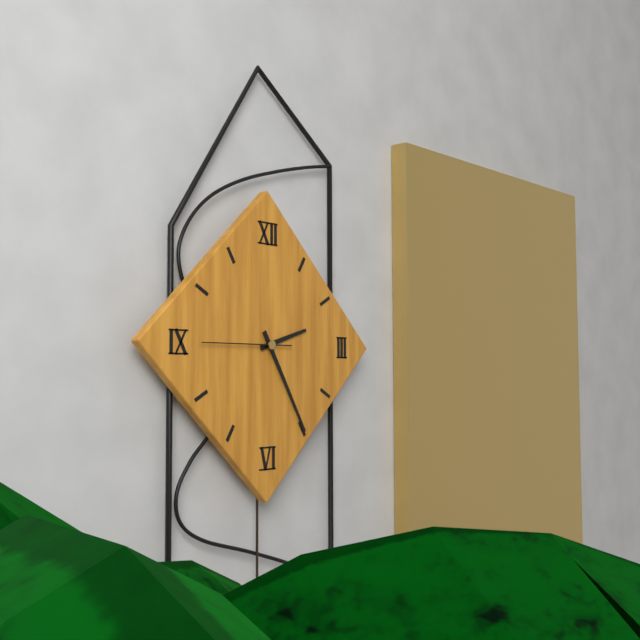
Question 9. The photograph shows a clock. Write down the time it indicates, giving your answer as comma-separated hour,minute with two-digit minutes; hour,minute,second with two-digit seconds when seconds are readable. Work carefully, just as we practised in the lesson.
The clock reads 2,25,45
